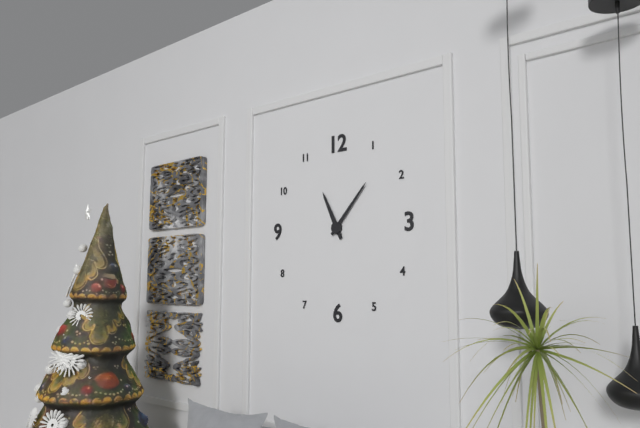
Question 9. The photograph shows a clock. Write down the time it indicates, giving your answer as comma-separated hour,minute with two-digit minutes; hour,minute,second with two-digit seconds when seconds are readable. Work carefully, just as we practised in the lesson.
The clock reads 11,07
